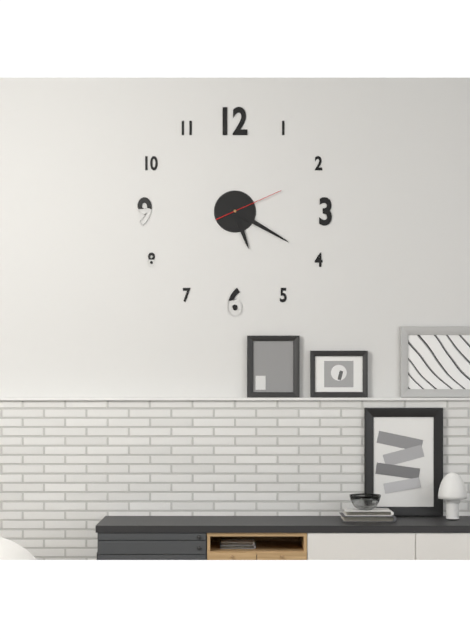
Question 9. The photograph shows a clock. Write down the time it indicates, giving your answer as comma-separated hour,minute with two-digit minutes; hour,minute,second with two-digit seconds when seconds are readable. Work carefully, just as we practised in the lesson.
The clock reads 5,20,11
